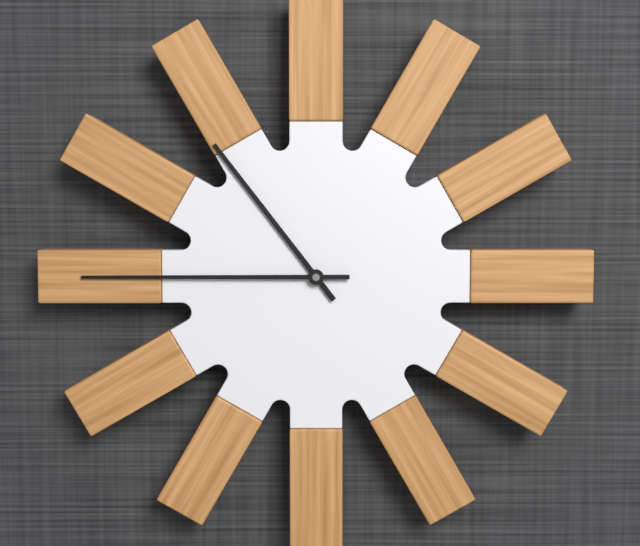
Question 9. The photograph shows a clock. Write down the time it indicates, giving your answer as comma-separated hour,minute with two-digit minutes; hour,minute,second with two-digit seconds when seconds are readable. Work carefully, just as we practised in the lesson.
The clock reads 10,45
